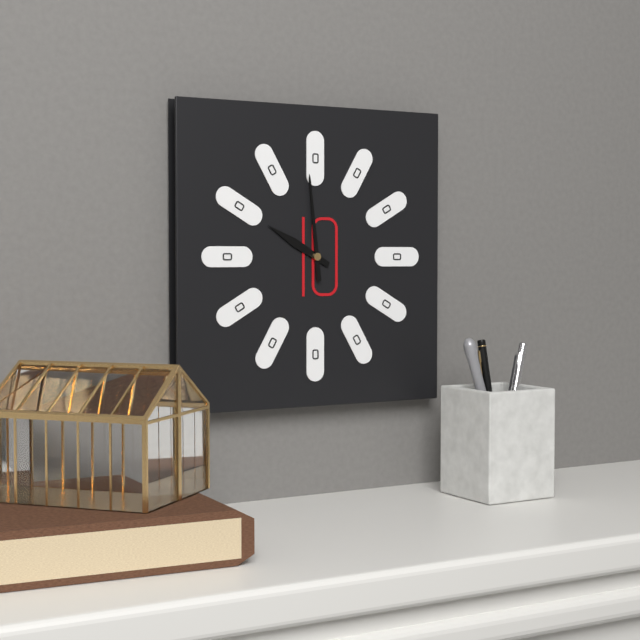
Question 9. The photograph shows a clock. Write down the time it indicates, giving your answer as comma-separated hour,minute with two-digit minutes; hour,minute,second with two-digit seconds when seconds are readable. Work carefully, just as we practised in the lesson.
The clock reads 9,59
